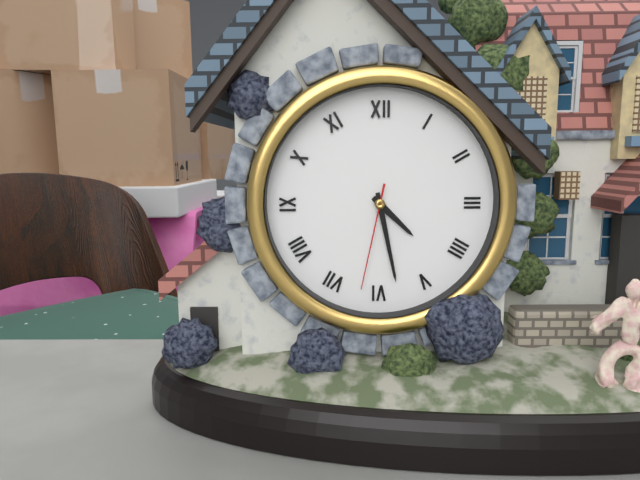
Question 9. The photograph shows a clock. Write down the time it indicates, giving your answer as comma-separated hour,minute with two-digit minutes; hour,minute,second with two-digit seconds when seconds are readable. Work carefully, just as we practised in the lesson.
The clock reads 4,28,32
